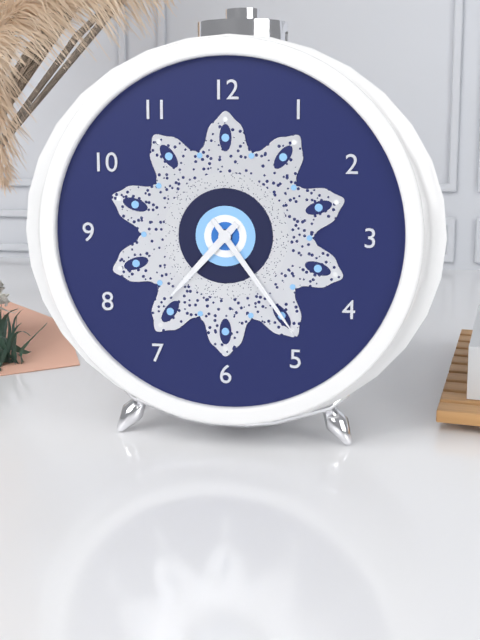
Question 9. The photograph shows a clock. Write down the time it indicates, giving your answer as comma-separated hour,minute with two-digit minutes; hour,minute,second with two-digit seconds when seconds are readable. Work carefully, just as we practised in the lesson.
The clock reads 7,24
